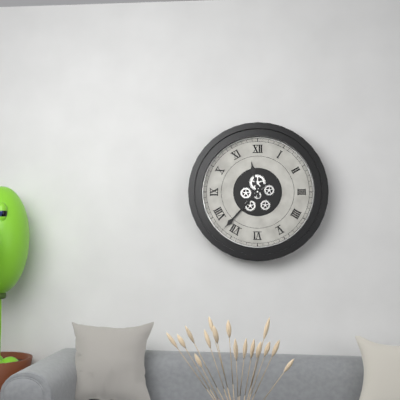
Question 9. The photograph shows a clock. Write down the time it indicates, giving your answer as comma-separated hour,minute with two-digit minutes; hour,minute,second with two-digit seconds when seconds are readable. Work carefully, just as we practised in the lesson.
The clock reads 11,37
